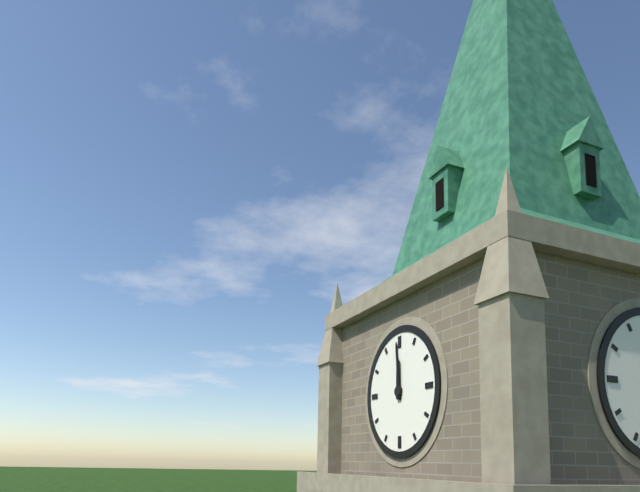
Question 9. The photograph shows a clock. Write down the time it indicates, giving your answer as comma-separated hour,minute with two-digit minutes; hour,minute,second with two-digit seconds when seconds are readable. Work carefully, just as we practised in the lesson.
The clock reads 11,59
